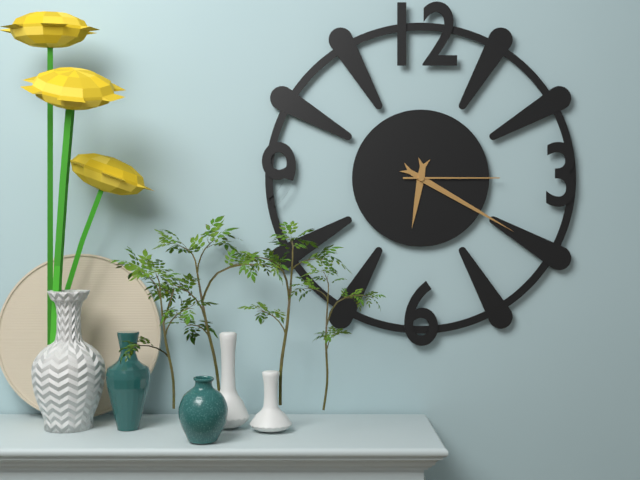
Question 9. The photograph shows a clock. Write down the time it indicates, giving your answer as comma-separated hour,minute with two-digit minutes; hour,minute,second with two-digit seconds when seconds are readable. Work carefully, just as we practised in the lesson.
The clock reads 6,20,15
